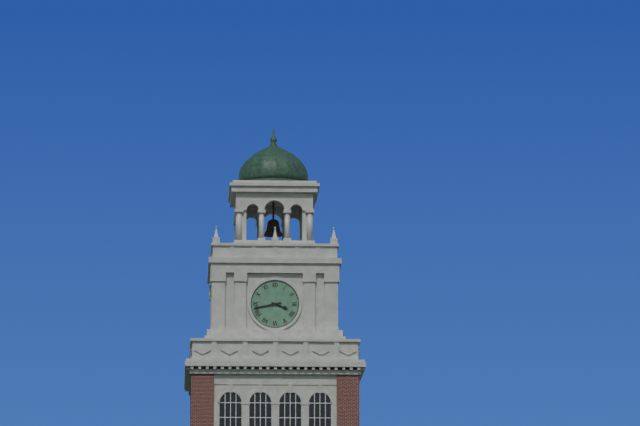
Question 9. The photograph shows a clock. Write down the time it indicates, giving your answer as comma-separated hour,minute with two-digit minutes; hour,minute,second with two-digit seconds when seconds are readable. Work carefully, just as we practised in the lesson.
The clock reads 3,43
